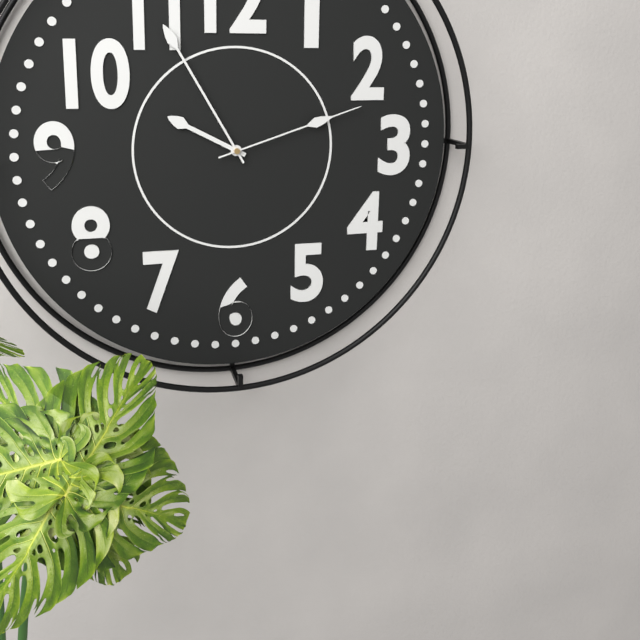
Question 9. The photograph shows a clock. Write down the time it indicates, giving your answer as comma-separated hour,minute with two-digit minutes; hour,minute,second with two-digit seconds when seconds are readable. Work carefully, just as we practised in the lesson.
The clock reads 9,55,12
